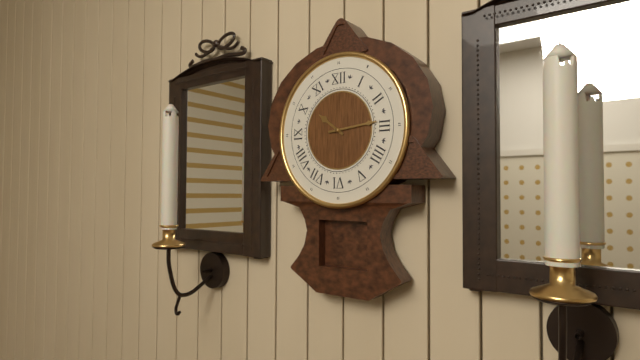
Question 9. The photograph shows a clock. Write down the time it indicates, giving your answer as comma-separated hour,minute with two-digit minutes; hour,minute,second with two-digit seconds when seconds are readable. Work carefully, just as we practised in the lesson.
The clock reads 10,14
